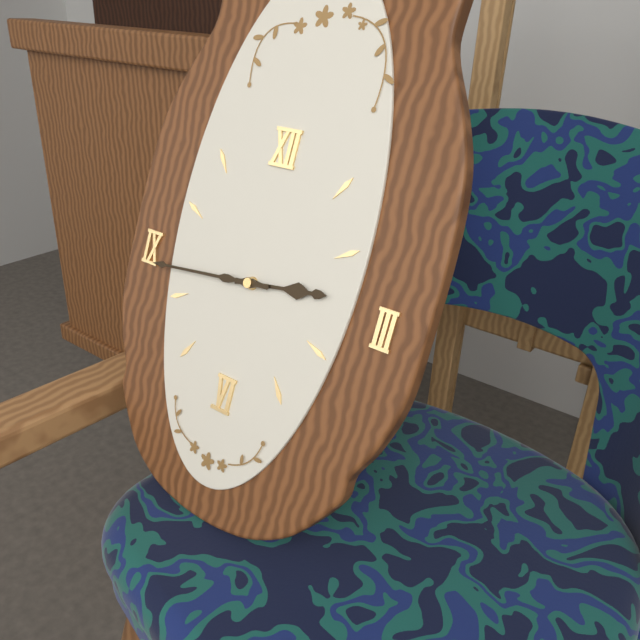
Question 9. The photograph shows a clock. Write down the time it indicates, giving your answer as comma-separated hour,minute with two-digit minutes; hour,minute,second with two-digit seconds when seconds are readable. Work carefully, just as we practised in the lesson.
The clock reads 2,44
